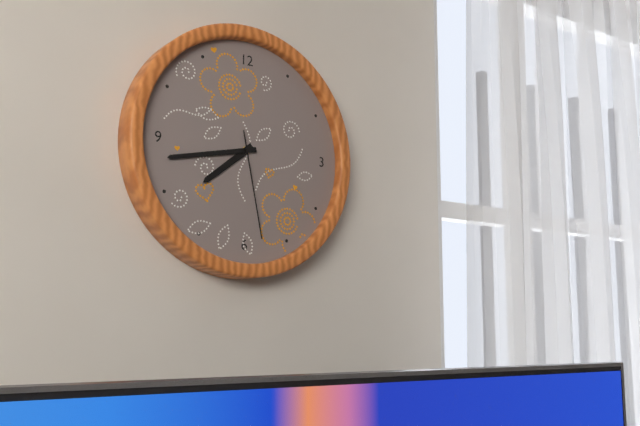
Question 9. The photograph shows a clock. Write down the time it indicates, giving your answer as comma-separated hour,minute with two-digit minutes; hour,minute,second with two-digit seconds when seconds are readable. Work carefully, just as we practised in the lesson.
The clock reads 7,43,28
